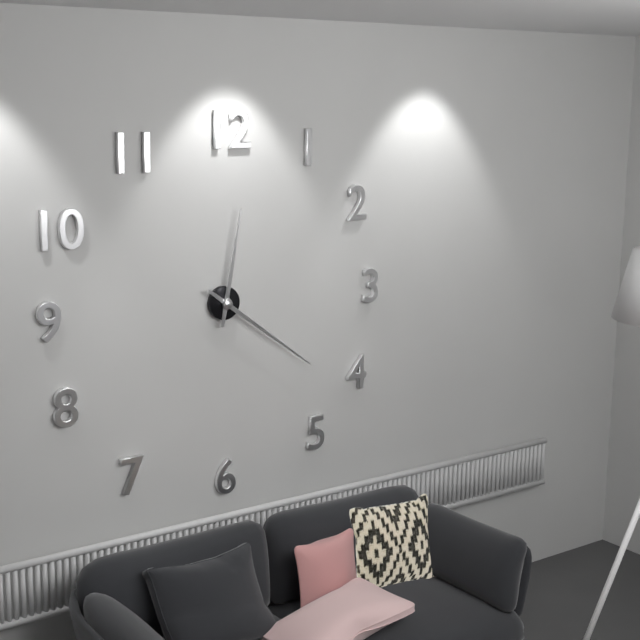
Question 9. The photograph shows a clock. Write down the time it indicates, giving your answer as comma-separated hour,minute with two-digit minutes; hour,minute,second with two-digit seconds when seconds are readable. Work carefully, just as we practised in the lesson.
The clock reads 12,21
